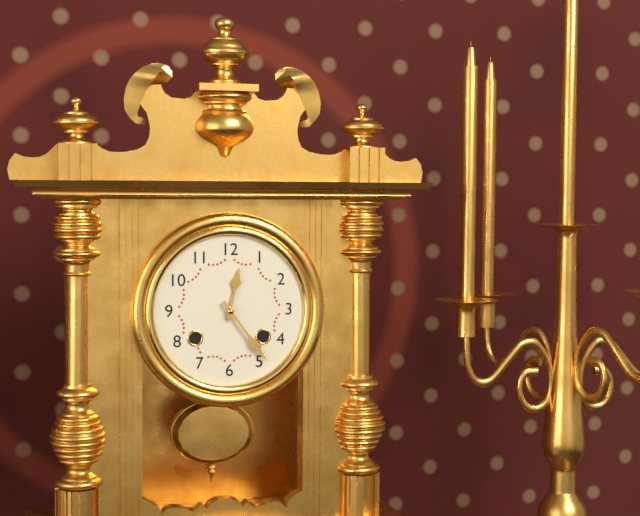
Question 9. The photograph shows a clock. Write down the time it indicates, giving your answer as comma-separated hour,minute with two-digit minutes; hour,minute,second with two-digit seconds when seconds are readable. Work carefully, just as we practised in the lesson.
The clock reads 12,24
